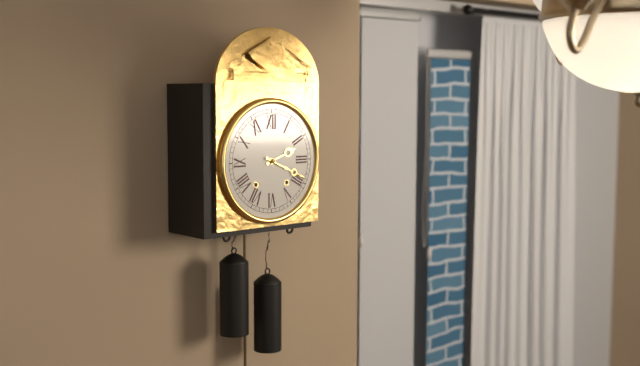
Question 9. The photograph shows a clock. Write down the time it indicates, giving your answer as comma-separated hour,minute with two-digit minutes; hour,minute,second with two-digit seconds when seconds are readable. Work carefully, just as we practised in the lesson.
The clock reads 2,19
